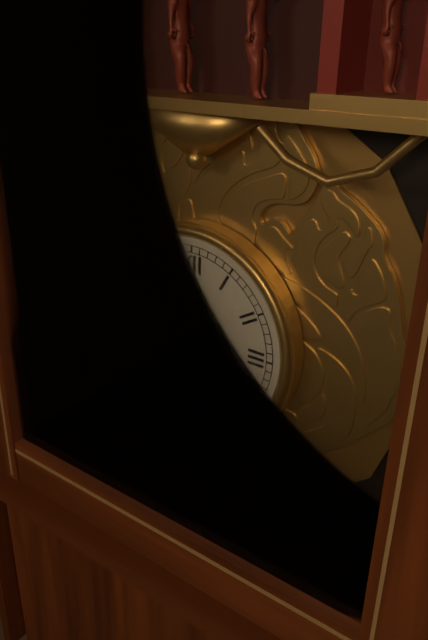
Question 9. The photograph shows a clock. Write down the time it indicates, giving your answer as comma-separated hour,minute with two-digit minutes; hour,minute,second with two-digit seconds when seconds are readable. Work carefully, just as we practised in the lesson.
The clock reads 9,34
